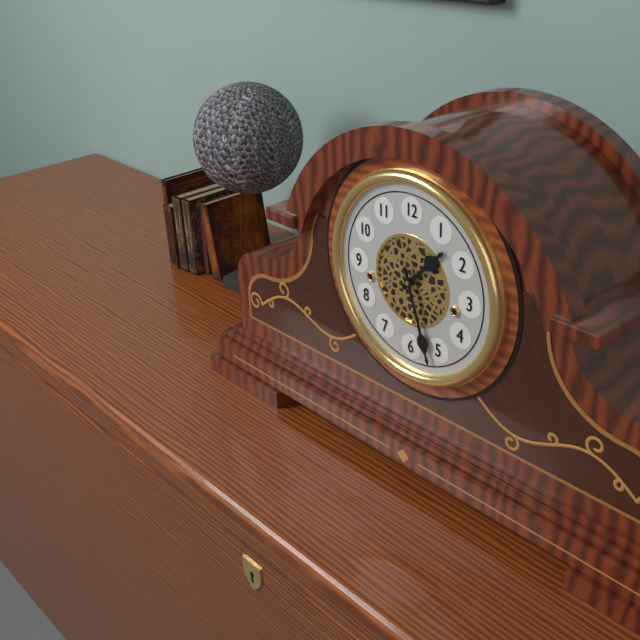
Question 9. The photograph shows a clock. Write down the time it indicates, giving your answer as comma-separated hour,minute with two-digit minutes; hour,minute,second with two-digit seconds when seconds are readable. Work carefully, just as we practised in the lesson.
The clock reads 1,27
